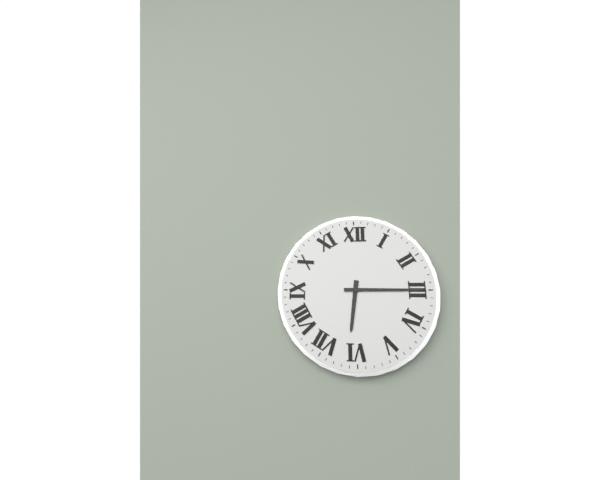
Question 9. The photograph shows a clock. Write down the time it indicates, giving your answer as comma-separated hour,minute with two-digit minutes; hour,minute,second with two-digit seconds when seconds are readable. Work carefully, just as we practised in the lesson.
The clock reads 6,15
